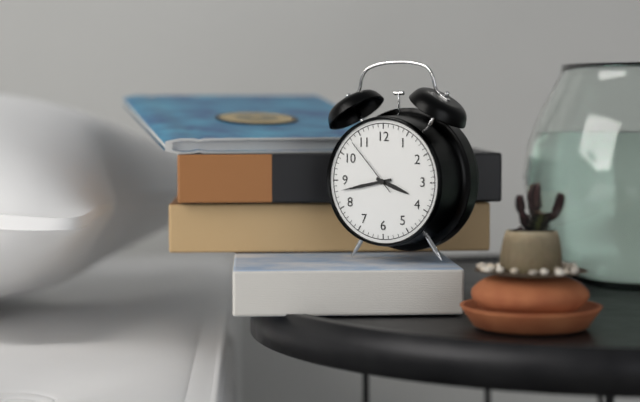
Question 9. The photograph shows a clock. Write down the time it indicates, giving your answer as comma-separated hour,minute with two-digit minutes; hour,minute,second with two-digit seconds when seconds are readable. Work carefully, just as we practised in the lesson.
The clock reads 3,43,53
